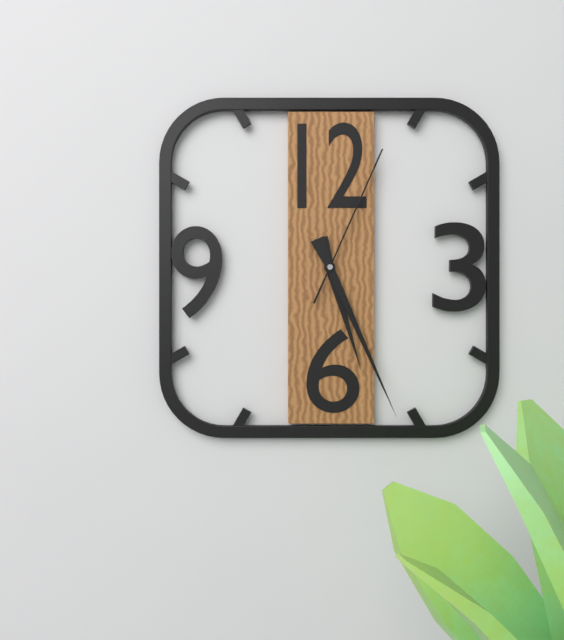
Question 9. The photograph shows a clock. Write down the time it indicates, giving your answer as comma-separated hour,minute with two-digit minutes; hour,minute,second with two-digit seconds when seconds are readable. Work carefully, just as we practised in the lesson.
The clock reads 5,26,04
